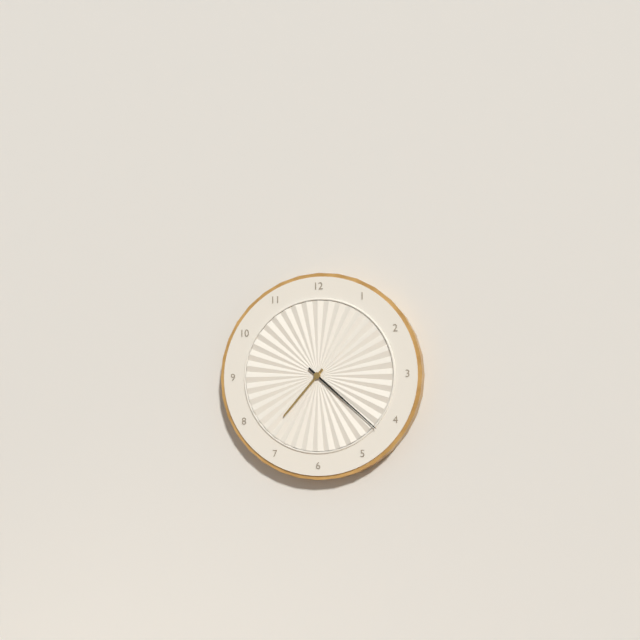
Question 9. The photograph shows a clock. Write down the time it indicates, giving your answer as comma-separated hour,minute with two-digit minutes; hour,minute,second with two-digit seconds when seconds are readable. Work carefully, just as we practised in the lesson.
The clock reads 7,22
